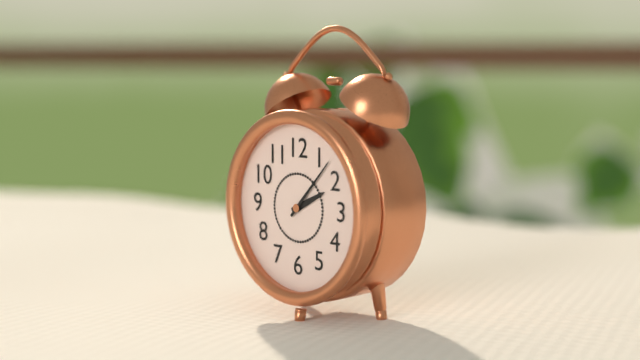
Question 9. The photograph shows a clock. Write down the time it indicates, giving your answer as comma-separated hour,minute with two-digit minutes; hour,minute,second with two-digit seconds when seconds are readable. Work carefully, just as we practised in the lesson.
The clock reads 2,07
